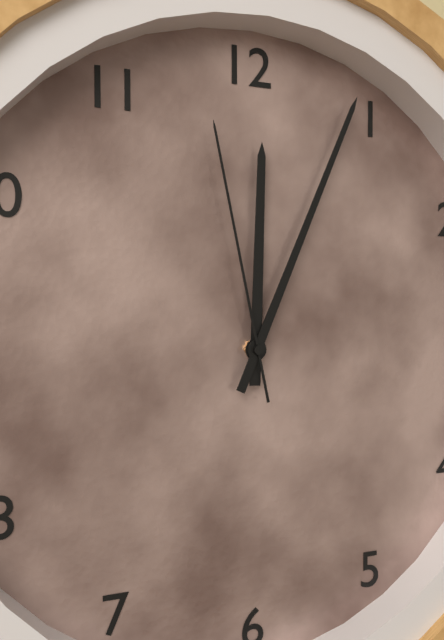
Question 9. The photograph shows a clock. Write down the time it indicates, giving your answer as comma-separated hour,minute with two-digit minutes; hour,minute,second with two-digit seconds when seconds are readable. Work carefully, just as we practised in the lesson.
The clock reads 12,04,58
